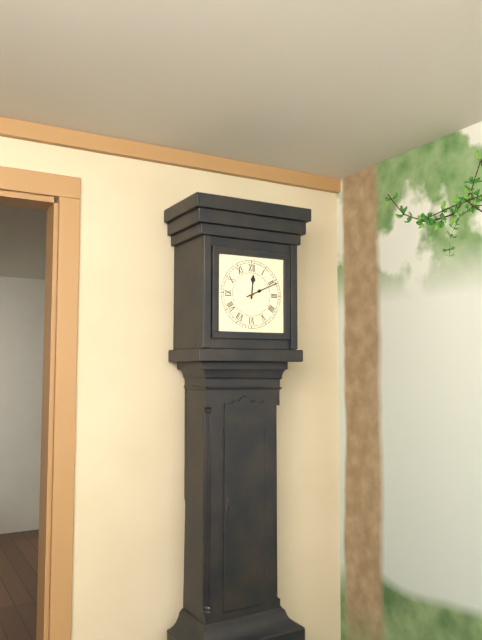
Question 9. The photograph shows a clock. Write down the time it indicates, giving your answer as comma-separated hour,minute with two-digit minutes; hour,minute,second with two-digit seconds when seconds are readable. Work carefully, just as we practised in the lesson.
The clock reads 12,11
